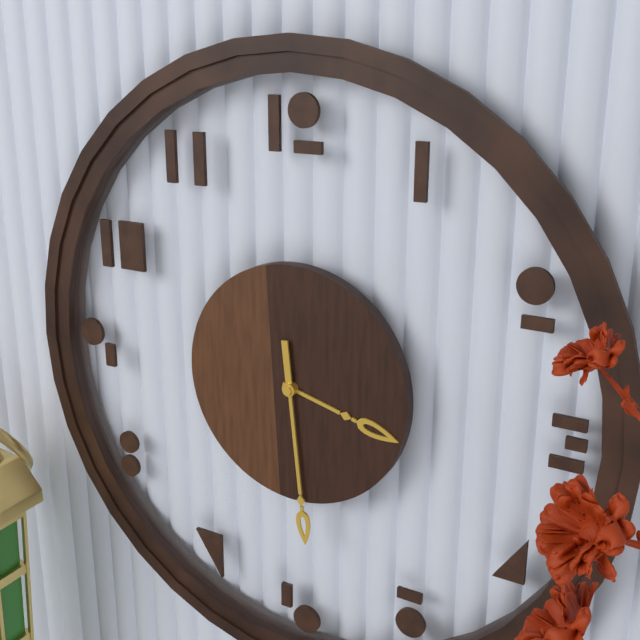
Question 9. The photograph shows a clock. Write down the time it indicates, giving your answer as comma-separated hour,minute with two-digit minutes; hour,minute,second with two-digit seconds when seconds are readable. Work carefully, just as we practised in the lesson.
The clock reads 3,29
